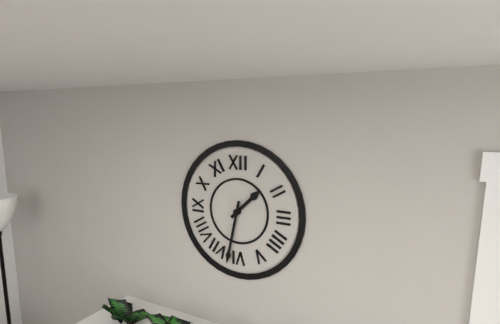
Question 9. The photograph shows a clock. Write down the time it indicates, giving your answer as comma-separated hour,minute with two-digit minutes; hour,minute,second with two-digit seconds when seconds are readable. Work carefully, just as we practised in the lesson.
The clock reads 1,32
